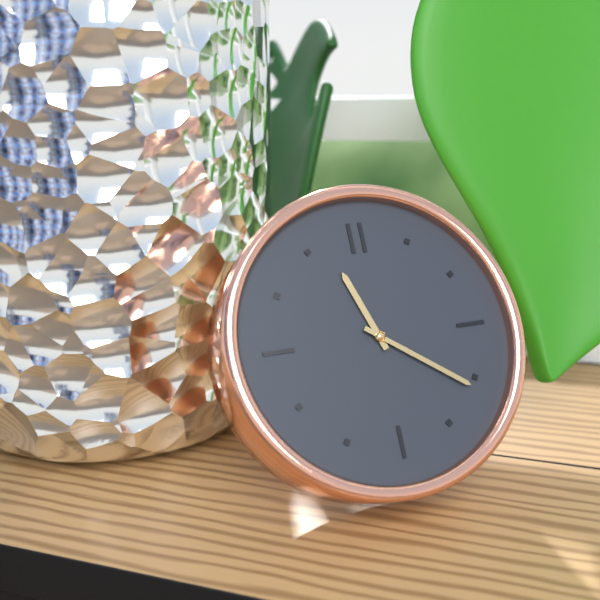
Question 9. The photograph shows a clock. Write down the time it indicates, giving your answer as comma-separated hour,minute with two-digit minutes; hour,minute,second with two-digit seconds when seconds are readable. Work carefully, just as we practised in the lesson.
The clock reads 11,21
